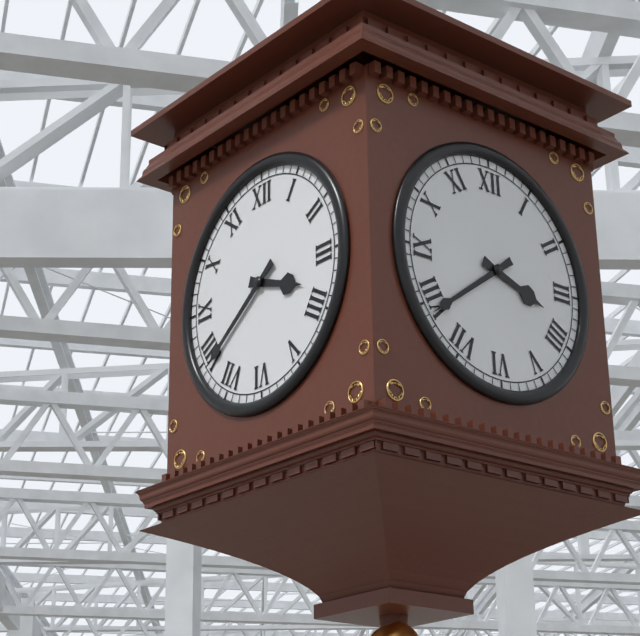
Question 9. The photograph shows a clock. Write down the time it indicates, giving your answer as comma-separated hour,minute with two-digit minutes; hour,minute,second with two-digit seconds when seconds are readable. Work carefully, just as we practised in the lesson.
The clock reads 3,39
